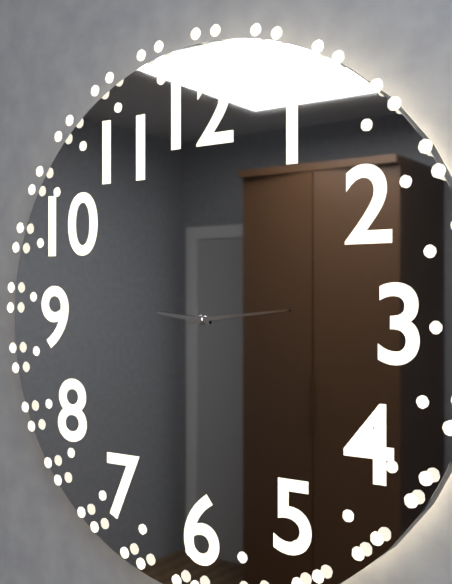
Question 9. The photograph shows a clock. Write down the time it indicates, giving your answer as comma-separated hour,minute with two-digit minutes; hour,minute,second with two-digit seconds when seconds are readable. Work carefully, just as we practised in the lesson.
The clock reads 9,14
